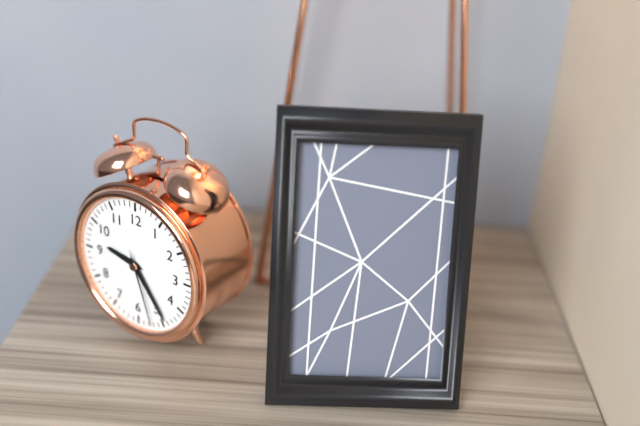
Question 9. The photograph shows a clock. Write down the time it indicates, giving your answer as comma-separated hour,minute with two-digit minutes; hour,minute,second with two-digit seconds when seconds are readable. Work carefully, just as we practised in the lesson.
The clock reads 9,24,27
